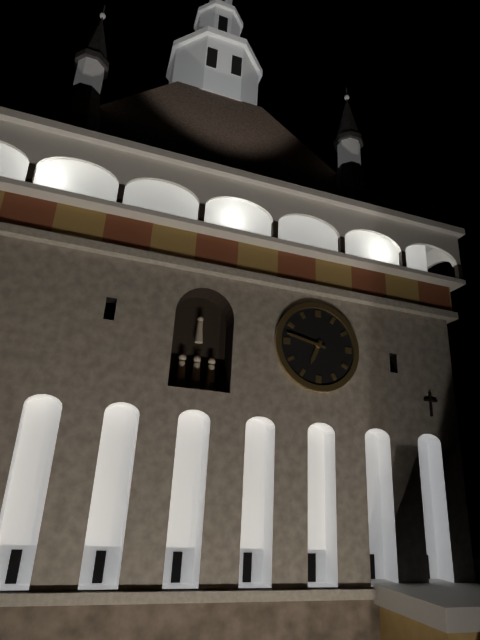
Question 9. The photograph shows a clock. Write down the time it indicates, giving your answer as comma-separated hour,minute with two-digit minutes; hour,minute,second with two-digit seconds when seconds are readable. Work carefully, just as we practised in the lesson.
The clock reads 6,47
